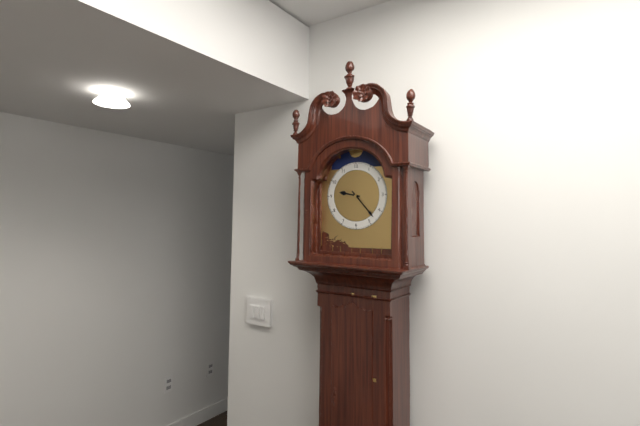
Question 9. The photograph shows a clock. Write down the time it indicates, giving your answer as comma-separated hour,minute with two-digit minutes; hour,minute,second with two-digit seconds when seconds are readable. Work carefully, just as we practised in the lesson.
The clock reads 9,23
